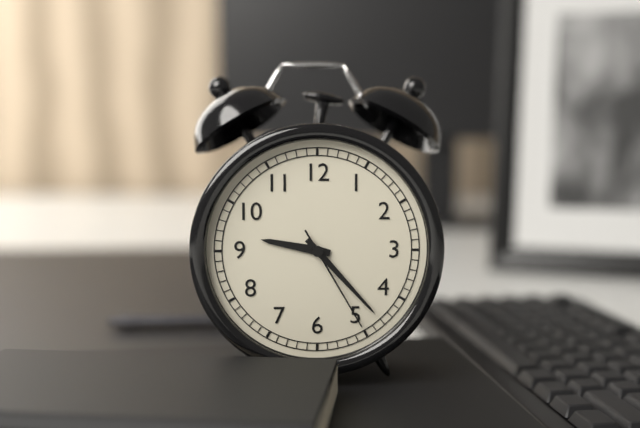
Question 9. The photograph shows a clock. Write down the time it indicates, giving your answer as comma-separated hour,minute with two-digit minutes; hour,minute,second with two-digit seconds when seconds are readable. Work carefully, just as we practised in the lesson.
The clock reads 9,23,25
